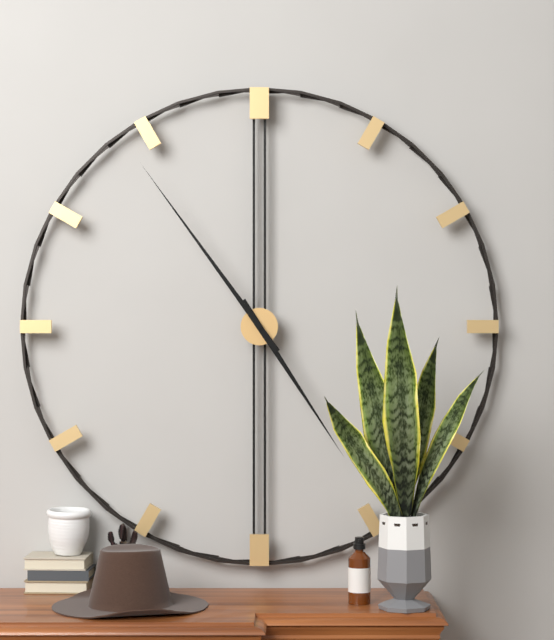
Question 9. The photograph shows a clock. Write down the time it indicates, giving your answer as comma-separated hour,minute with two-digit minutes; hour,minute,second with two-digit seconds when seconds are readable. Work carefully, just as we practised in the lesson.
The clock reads 4,54
